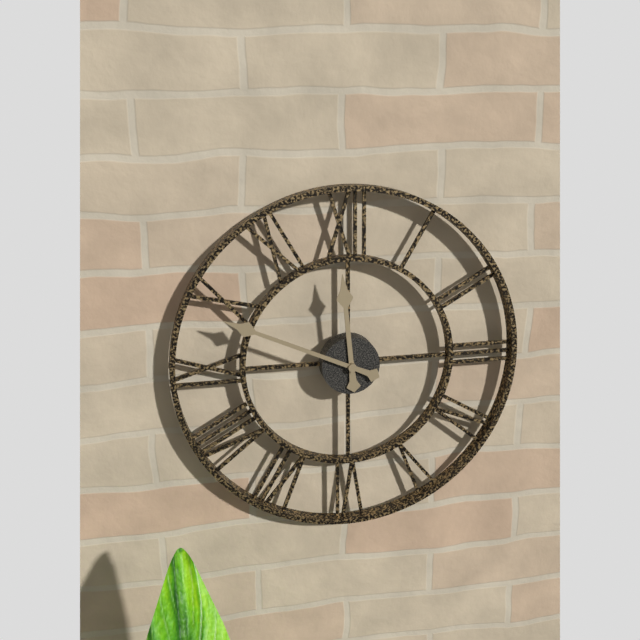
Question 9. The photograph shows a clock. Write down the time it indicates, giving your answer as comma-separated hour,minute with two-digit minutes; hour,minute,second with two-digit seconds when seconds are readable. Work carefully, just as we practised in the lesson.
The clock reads 11,49
